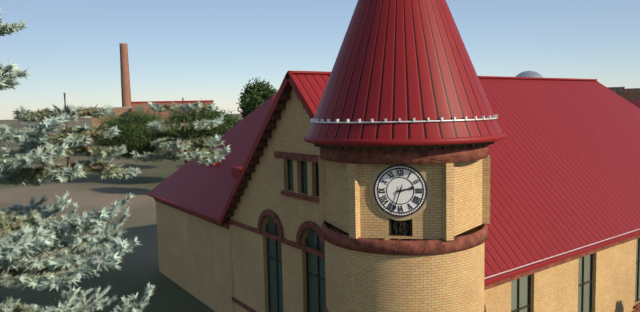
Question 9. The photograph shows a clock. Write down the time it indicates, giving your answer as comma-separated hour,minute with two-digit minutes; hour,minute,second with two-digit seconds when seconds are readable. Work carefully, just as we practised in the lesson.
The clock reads 2,33
